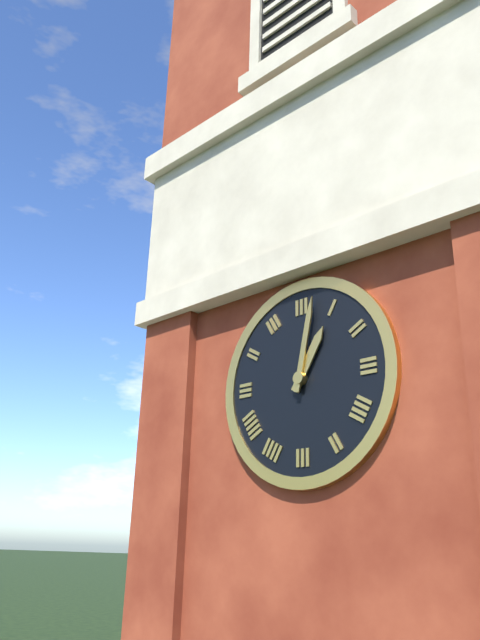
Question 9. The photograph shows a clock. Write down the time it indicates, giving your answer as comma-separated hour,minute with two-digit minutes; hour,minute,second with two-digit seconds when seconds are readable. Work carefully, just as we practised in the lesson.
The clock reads 1,02
